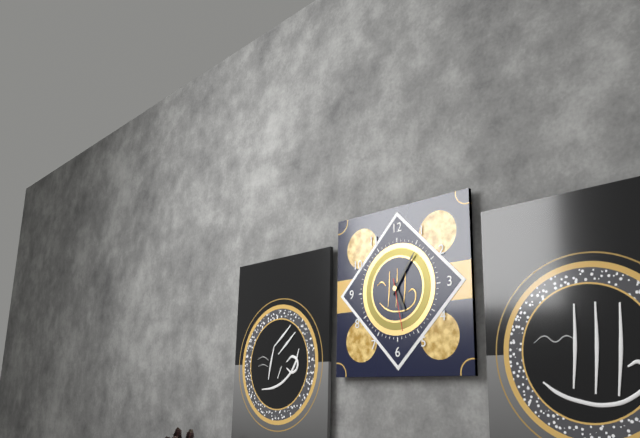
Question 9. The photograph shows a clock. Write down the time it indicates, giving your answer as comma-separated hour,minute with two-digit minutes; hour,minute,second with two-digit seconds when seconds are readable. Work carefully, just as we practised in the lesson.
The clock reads 5,06,28
